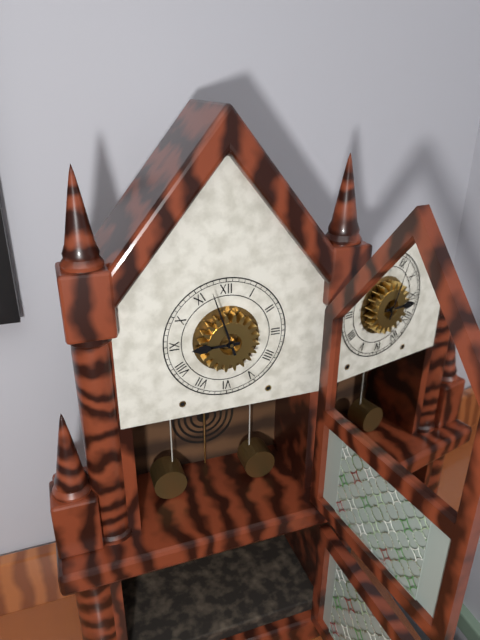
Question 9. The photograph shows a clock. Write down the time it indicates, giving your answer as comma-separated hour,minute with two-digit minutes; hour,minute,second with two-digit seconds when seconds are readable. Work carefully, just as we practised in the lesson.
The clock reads 8,57
